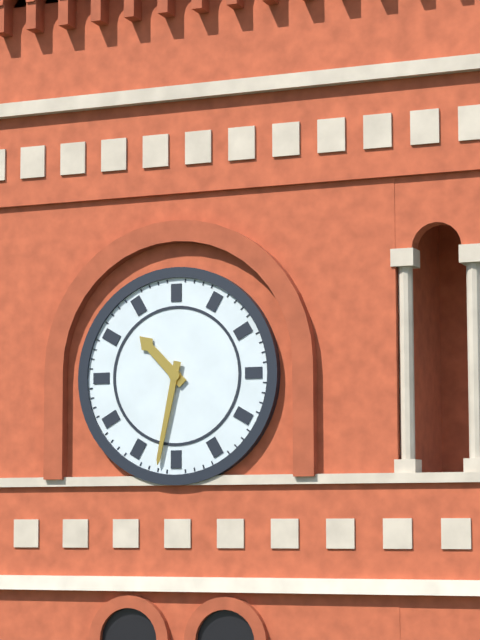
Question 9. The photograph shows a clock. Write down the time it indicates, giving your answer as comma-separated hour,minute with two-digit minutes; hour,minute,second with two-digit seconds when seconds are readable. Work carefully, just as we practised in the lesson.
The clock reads 10,32
